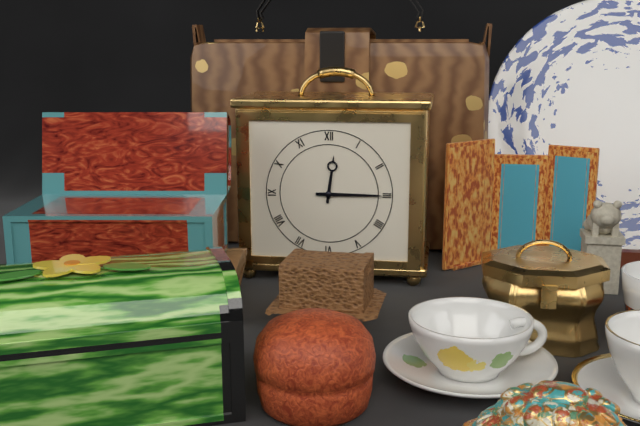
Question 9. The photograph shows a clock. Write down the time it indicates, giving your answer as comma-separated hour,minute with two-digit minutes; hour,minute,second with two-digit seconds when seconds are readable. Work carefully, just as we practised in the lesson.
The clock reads 12,15
